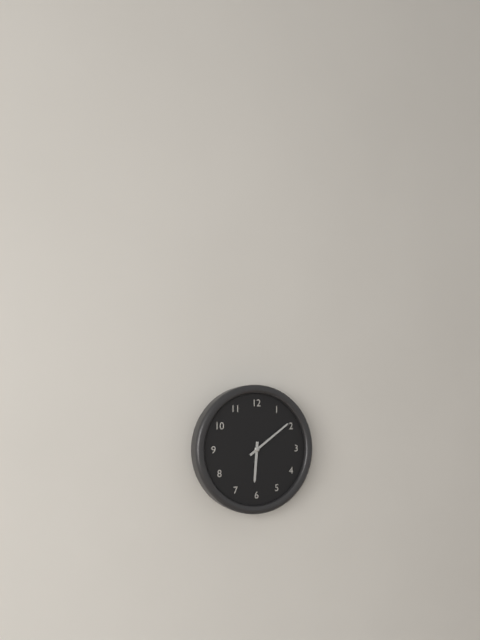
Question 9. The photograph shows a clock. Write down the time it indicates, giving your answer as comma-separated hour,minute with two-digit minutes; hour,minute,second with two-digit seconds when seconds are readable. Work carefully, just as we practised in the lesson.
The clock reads 6,09
